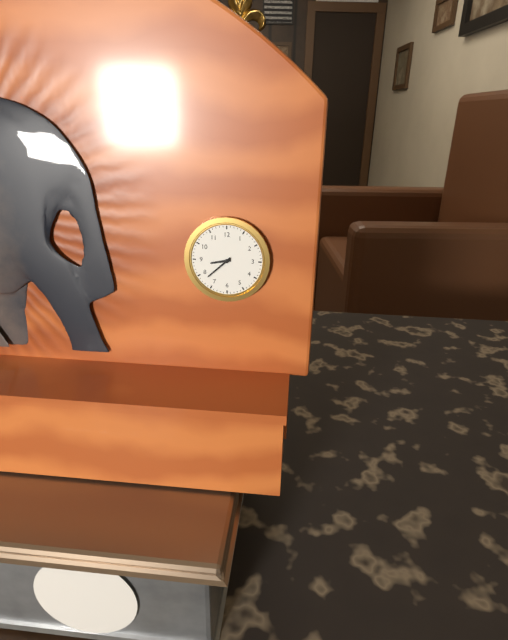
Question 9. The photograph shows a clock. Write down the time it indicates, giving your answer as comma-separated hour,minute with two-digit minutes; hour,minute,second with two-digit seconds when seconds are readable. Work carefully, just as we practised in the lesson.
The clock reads 8,38
